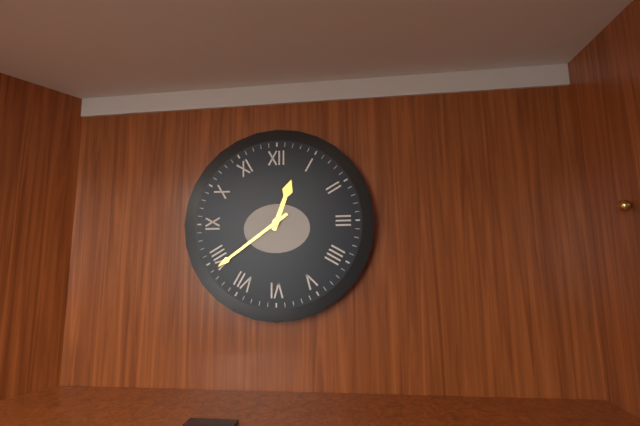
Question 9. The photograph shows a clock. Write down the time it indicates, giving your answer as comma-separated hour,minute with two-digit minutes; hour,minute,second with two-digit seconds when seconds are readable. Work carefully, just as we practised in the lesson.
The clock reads 12,39
